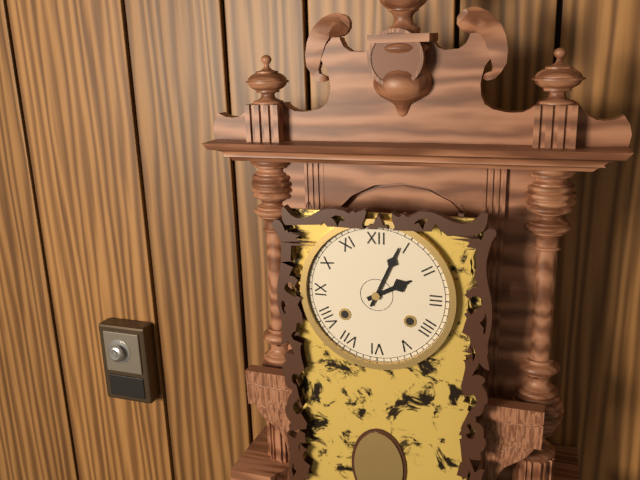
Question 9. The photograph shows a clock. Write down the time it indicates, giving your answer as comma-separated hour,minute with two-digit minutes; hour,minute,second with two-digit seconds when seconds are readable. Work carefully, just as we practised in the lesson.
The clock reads 2,04
